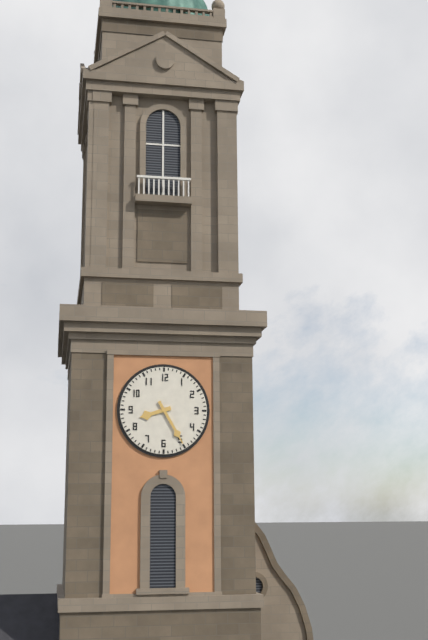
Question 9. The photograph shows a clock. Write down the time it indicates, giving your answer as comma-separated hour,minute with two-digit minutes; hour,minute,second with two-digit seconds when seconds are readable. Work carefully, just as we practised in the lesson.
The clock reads 8,25
